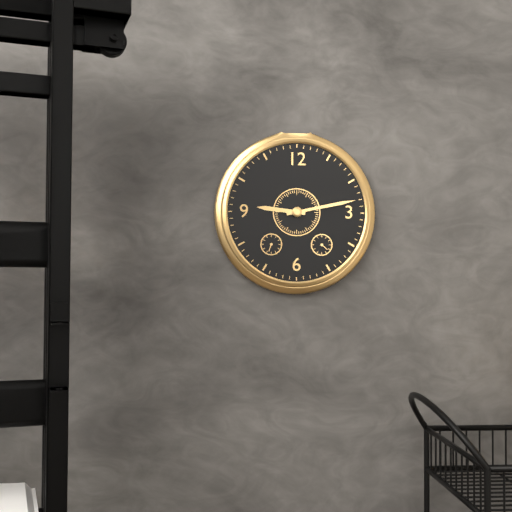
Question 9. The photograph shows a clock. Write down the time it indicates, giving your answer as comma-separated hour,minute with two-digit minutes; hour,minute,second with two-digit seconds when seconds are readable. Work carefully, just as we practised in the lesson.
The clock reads 9,13
